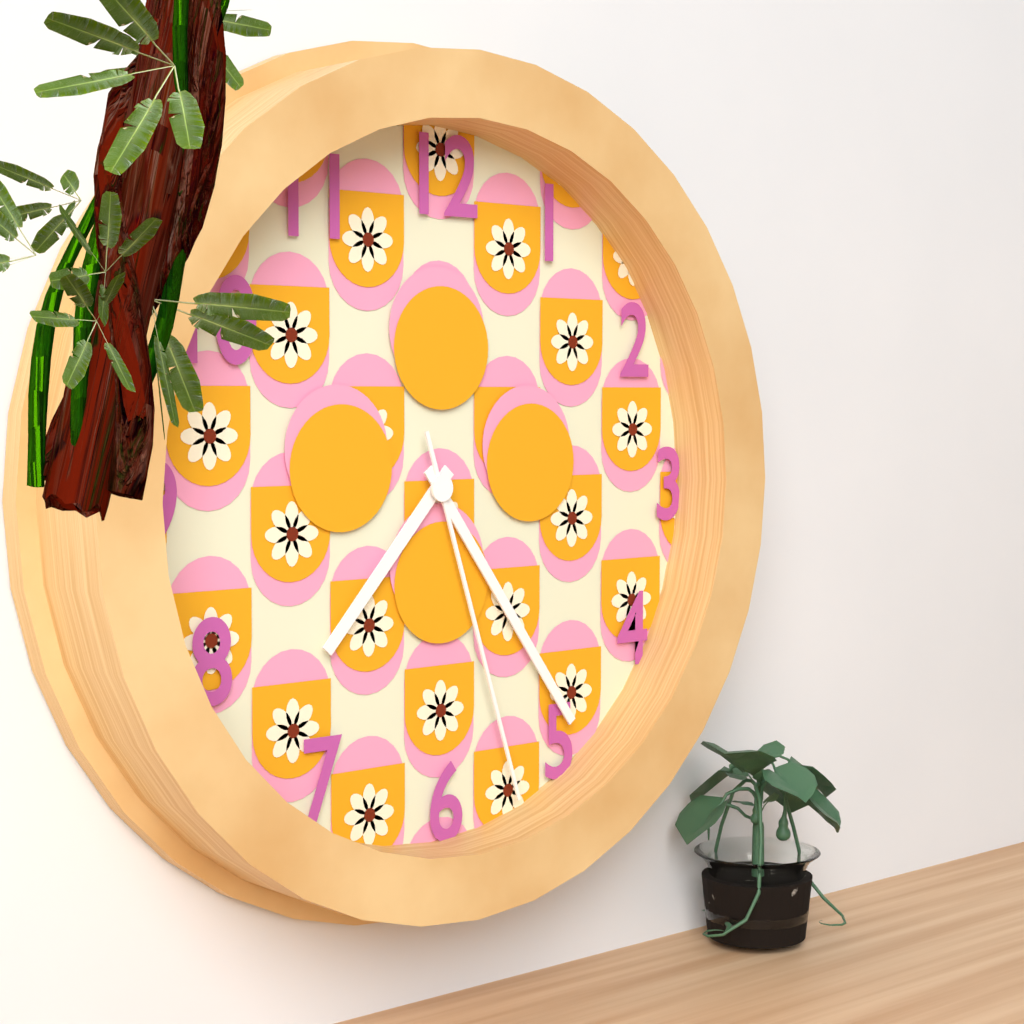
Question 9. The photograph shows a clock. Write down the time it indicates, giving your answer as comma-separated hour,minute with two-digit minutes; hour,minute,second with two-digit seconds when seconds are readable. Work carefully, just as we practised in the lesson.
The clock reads 7,24,27
